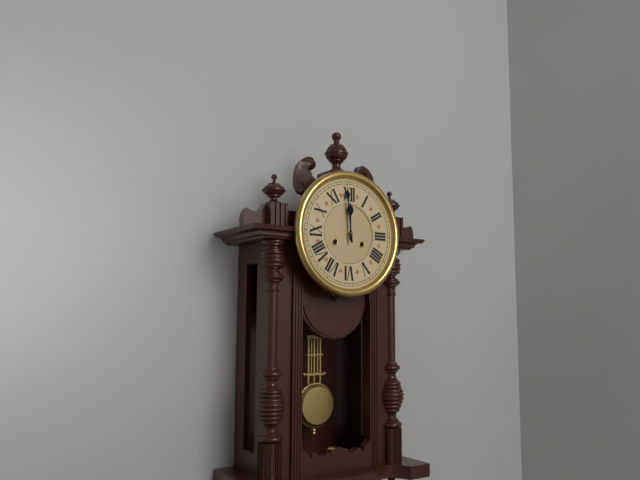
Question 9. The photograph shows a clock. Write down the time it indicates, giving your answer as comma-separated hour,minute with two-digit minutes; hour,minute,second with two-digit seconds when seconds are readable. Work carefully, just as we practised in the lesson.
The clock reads 11,59
